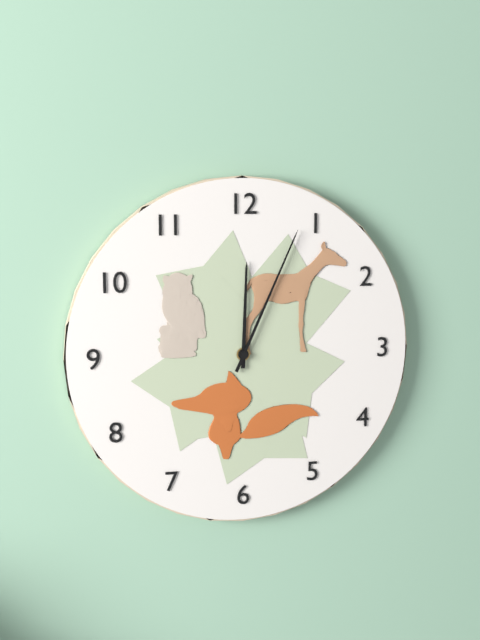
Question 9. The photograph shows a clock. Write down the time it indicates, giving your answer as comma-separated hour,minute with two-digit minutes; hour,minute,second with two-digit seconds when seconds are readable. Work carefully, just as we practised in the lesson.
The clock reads 12,04
